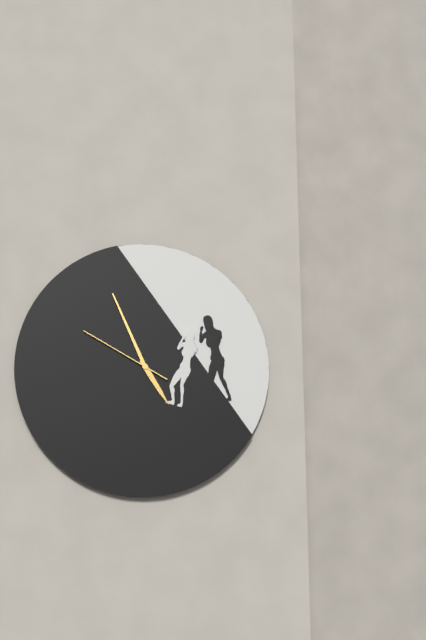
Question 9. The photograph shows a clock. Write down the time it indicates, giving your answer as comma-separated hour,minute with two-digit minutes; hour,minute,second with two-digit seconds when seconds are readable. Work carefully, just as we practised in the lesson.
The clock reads 4,56,50
